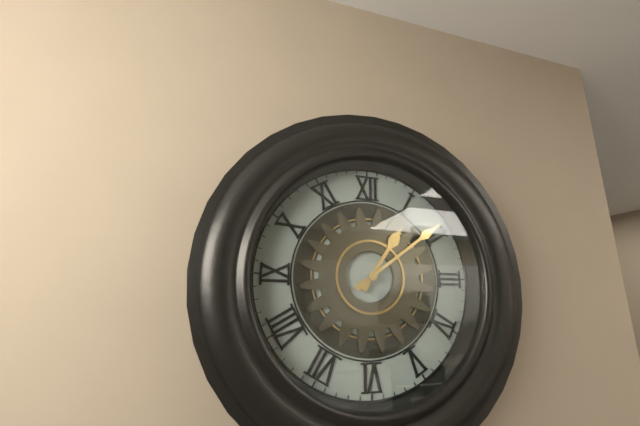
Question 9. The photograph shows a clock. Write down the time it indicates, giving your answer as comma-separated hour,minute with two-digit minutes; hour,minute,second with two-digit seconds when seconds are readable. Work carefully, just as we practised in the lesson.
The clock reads 1,09
